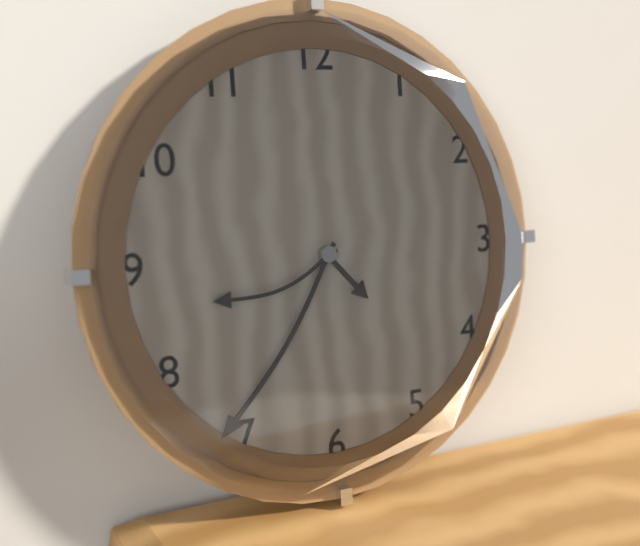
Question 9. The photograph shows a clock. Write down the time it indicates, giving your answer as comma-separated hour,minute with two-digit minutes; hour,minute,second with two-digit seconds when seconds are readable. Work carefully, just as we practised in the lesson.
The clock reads 4,36,42
